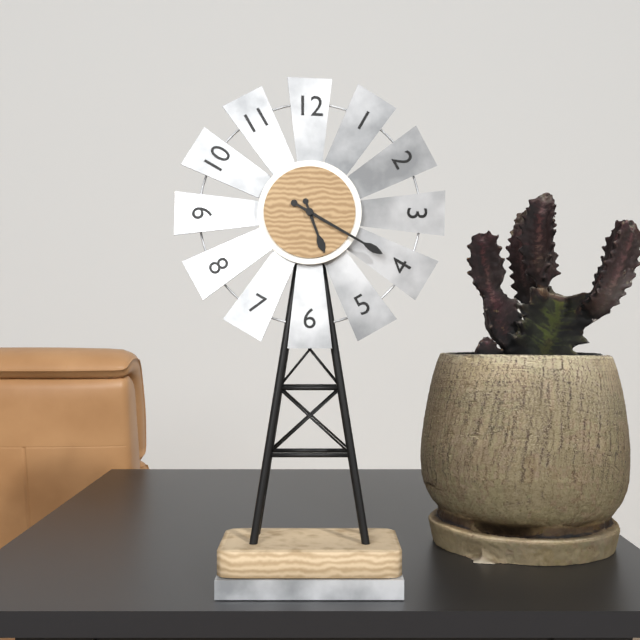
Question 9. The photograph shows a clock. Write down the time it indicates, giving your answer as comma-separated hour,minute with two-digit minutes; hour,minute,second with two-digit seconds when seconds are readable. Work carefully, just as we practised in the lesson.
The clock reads 5,20
